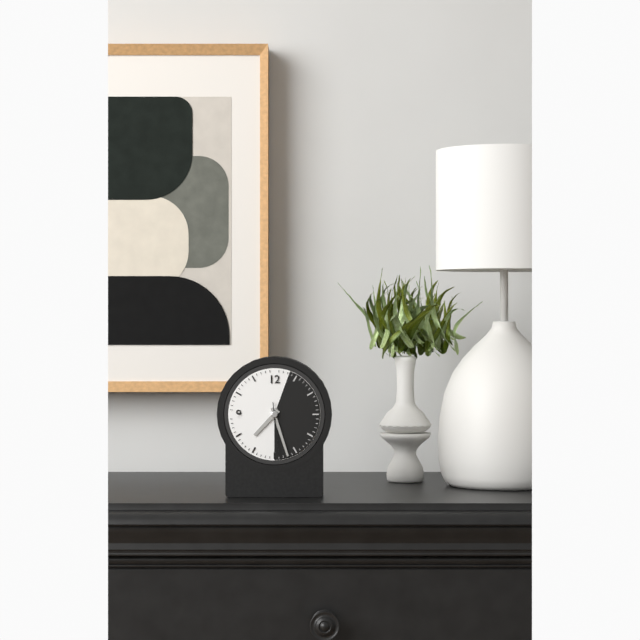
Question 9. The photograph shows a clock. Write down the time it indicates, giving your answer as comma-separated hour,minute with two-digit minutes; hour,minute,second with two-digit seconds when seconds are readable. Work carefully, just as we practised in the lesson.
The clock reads 7,27,29
